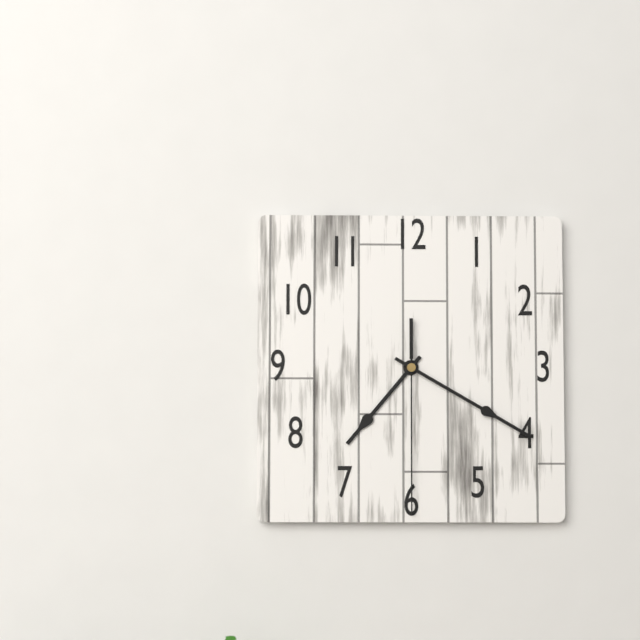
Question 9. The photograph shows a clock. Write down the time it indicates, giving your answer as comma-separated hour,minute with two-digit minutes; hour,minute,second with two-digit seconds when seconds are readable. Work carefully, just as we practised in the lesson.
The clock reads 7,20,30
